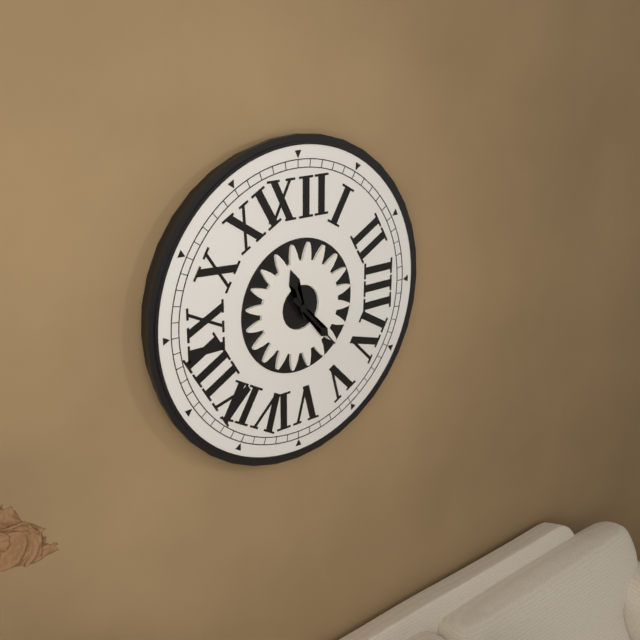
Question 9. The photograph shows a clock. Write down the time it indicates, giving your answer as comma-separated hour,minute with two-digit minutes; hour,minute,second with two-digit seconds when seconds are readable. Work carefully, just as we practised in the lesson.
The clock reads 11,23
